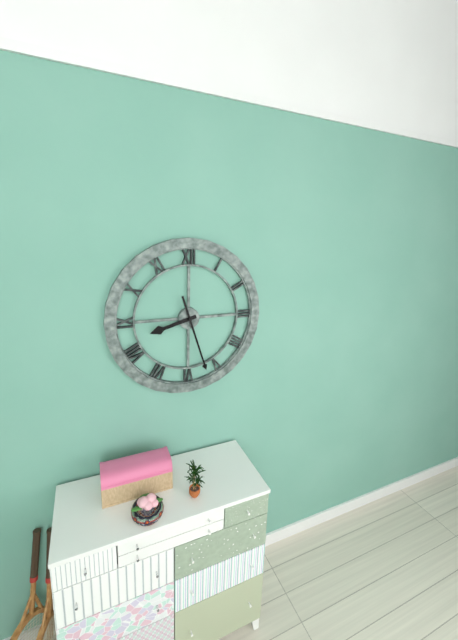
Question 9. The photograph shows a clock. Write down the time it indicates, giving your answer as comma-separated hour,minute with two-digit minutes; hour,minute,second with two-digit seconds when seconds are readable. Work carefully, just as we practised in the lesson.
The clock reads 8,27
